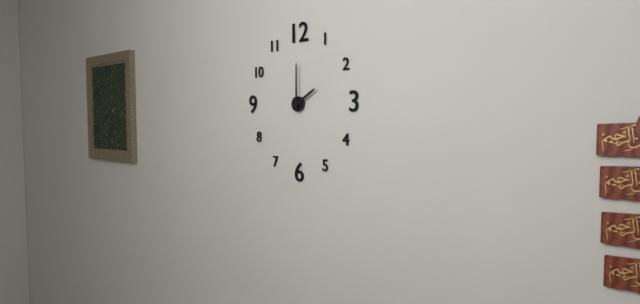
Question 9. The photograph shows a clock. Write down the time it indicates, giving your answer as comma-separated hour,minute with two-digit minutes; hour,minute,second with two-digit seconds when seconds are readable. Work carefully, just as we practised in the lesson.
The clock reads 2,00
